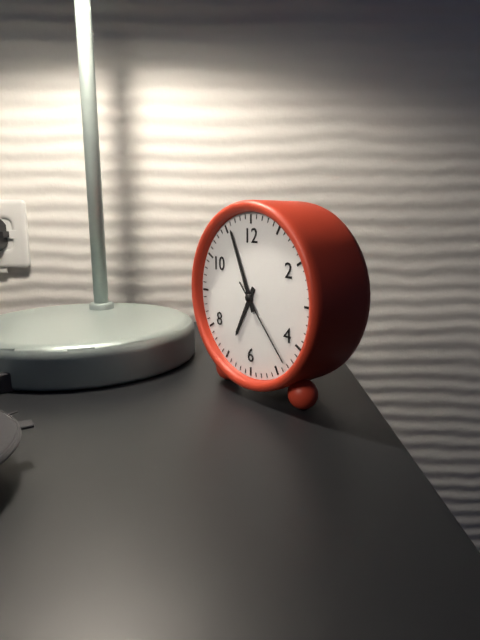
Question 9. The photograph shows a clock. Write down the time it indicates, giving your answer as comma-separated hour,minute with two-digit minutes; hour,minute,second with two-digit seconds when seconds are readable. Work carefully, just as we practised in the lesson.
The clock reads 6,56,23
